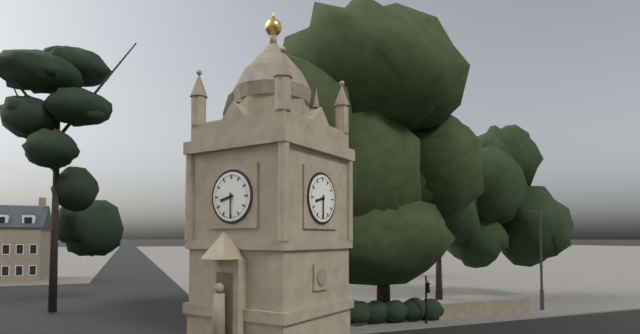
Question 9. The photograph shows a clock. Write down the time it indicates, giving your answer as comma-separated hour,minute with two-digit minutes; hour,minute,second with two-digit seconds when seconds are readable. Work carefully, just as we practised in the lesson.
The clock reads 8,30
